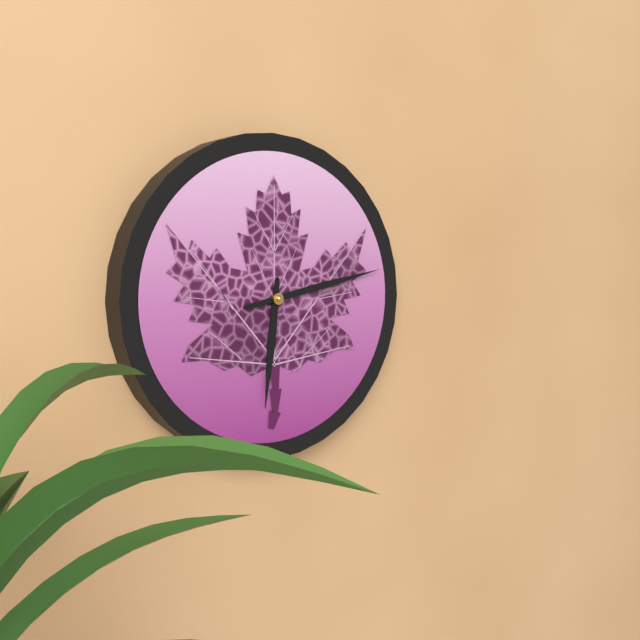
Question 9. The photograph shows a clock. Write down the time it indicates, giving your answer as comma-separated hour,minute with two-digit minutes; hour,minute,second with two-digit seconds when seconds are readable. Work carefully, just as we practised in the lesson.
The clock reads 6,13
